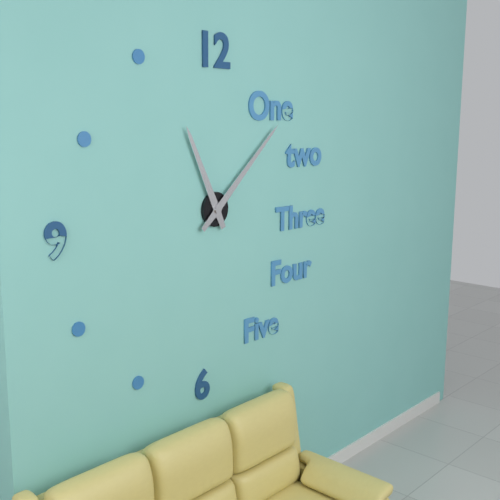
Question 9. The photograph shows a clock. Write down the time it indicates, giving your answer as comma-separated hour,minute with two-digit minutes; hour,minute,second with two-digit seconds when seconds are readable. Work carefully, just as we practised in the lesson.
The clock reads 11,08
